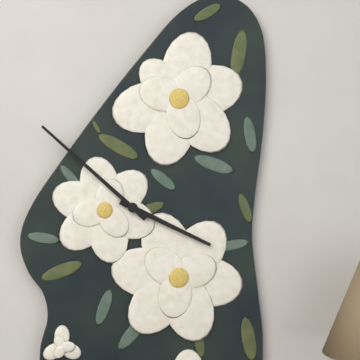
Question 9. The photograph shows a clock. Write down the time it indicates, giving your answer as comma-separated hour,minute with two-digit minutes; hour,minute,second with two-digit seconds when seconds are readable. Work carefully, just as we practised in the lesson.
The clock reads 3,52
